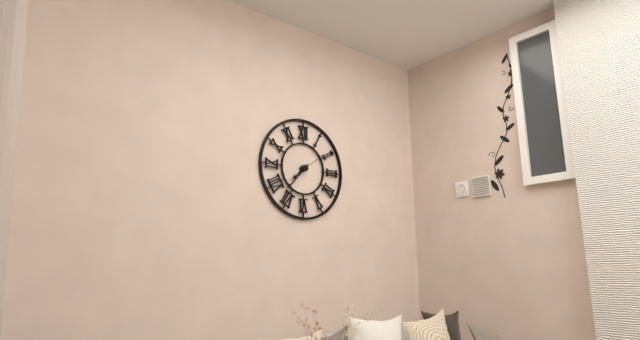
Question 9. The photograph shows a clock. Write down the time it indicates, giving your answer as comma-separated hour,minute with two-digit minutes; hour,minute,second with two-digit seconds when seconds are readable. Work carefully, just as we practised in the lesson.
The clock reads 7,37
